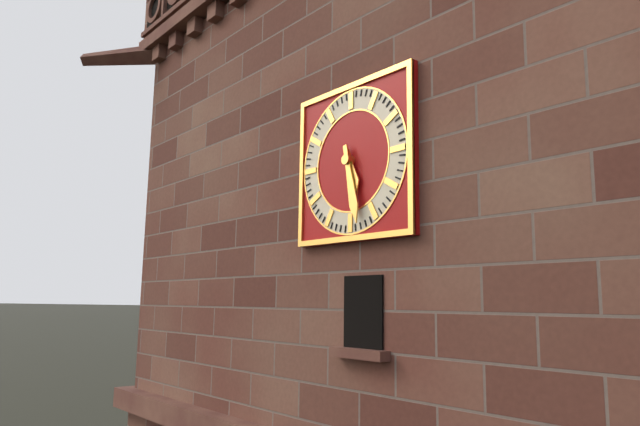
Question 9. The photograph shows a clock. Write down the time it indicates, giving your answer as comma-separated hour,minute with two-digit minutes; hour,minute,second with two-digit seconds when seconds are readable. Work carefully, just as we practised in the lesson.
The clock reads 5,28
